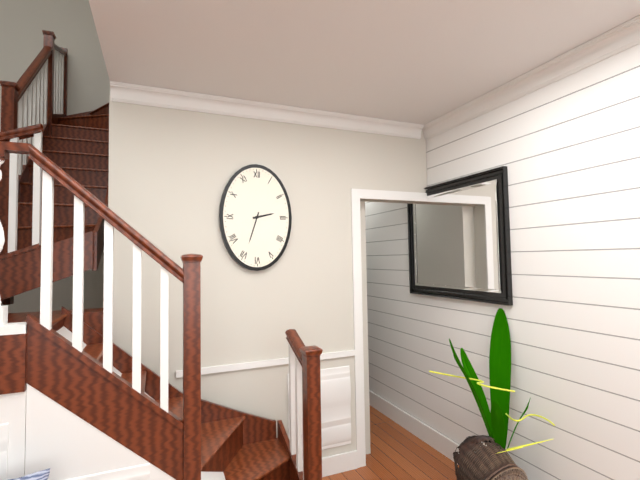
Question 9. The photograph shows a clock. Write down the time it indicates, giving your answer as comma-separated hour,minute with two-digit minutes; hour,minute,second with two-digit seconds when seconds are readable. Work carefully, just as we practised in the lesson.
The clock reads 2,33
